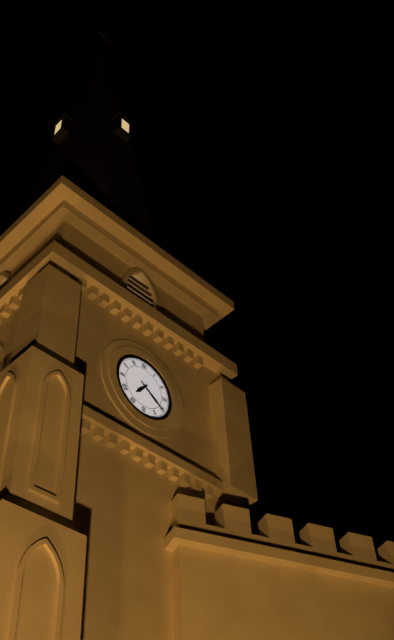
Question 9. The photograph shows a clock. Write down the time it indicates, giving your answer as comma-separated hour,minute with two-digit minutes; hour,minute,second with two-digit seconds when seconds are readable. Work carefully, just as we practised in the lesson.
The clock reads 7,21
